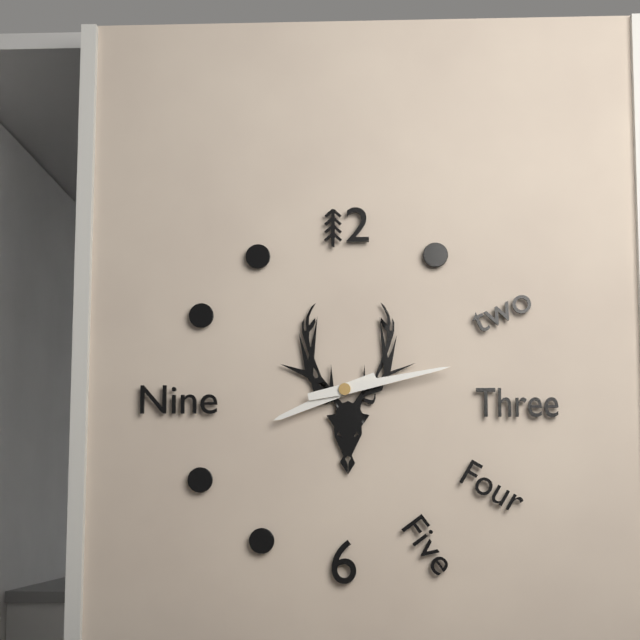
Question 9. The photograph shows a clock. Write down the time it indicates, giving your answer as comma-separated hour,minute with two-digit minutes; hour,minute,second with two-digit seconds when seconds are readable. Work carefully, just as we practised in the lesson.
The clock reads 8,13
